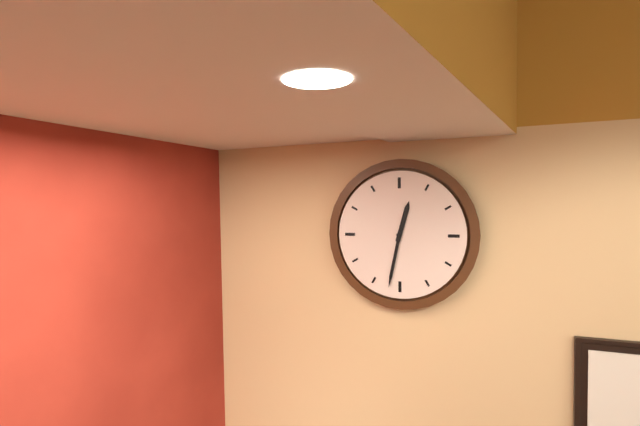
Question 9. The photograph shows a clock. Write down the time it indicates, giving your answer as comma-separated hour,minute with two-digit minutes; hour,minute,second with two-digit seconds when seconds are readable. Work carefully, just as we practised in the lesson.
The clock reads 12,32
